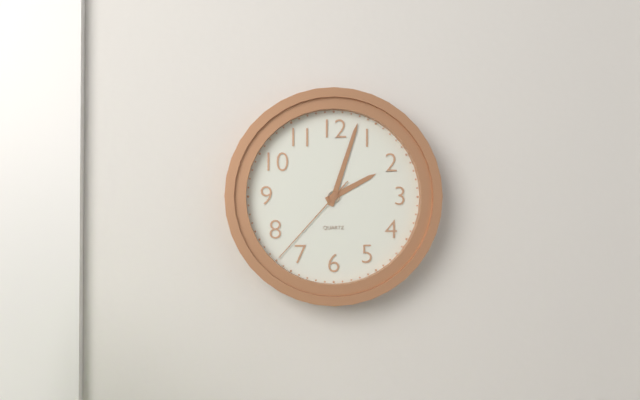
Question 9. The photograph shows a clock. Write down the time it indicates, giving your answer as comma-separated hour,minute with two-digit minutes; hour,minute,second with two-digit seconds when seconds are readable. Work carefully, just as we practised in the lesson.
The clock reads 2,03,37
